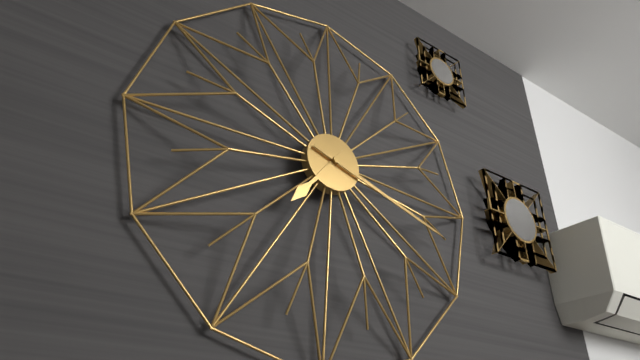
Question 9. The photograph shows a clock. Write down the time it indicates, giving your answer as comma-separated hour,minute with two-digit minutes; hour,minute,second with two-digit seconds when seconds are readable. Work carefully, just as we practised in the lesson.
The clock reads 7,18
